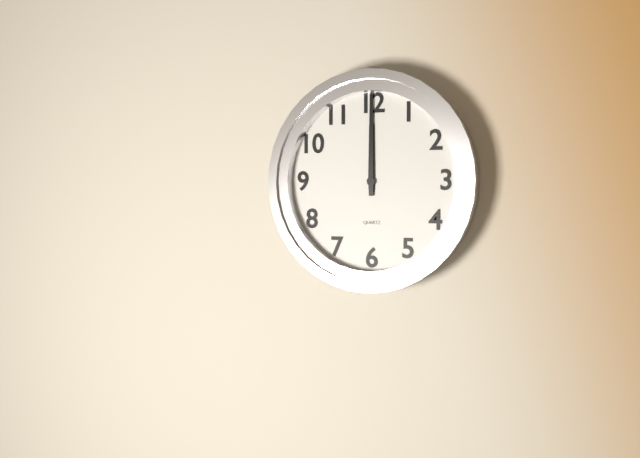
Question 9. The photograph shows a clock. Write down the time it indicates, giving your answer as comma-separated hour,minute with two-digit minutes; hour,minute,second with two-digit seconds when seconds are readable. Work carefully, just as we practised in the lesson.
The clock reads 12,00
